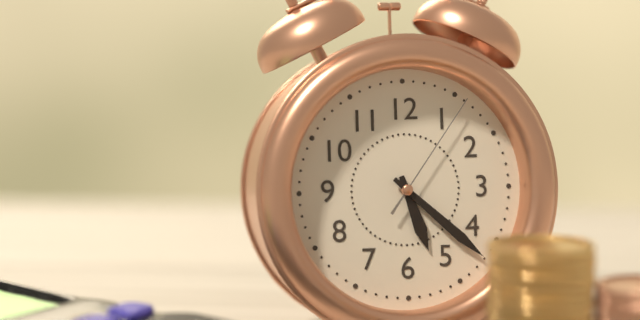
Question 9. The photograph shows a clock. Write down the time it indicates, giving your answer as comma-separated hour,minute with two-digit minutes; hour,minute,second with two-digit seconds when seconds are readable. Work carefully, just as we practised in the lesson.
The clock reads 5,22,06
